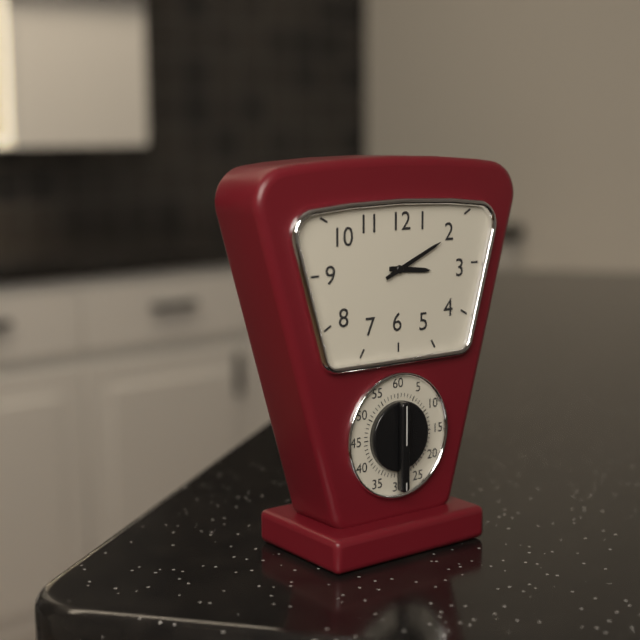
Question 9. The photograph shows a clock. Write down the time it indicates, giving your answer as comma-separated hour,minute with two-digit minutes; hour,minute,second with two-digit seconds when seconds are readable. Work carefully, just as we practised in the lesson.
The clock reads 3,11
